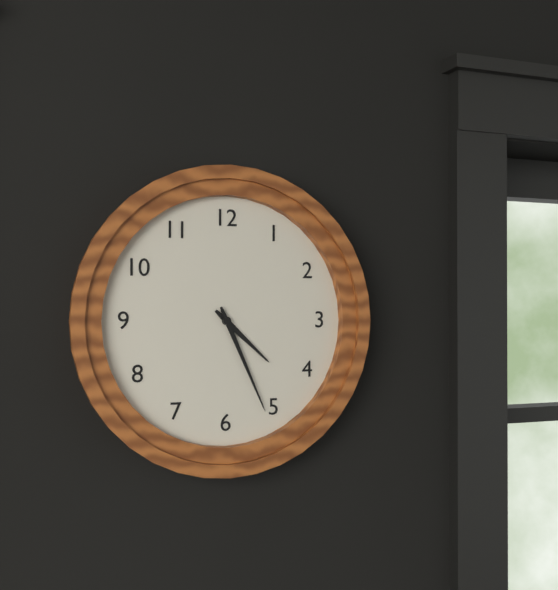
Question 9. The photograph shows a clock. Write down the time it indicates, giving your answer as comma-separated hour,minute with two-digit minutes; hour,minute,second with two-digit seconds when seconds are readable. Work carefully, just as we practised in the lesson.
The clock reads 4,26
